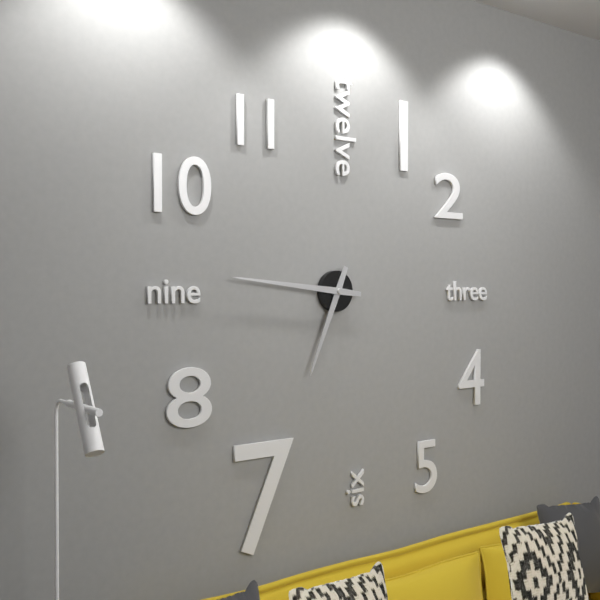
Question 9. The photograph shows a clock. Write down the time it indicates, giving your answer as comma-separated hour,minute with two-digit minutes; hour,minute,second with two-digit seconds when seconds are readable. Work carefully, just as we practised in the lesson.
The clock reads 6,46
